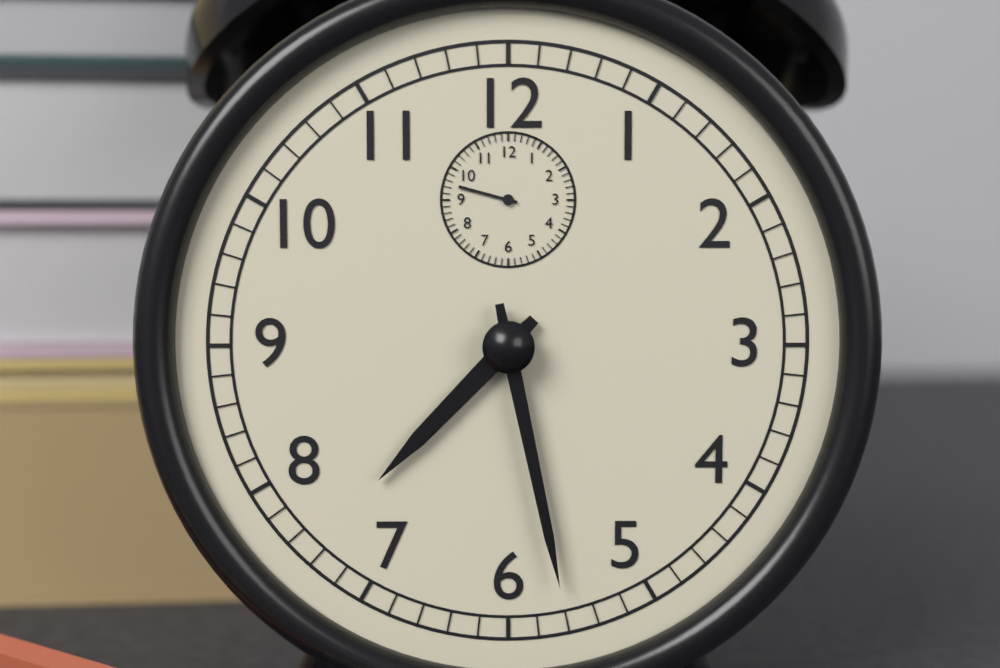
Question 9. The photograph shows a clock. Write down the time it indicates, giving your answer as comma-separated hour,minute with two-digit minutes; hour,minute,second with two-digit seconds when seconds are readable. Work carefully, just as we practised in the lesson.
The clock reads 7,28
